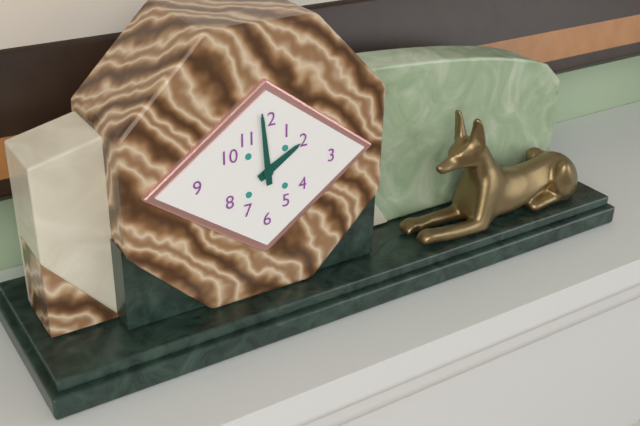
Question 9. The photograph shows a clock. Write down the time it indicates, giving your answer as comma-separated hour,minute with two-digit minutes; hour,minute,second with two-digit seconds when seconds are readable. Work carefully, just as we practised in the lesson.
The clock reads 1,59
